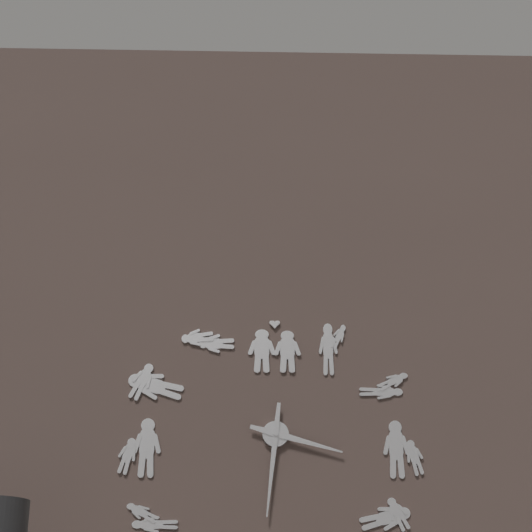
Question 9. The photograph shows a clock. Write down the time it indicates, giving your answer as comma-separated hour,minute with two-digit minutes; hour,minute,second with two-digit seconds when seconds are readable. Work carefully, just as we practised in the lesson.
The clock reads 3,31
